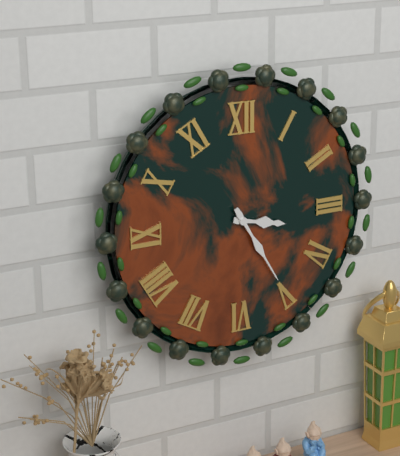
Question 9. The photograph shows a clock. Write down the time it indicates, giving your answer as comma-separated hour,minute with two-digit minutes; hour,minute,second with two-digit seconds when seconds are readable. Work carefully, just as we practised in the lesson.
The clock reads 3,25
